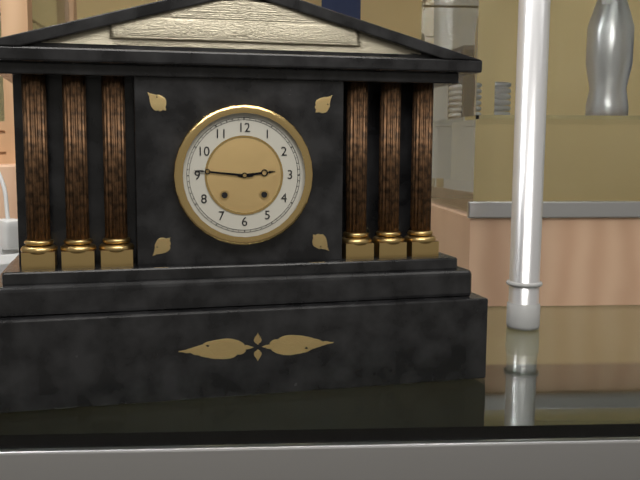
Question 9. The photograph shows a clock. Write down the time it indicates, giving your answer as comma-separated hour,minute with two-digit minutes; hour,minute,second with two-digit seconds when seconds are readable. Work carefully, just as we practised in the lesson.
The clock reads 2,46
